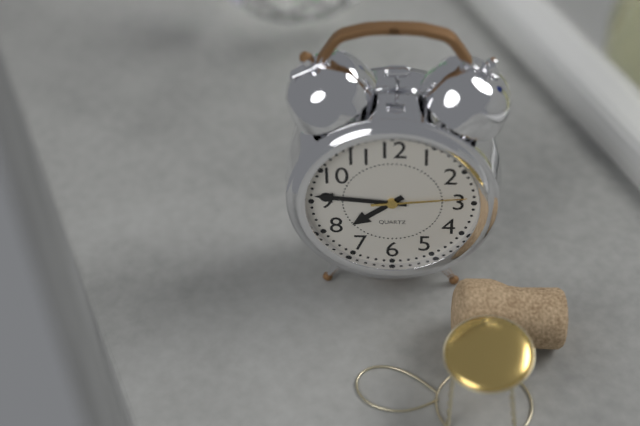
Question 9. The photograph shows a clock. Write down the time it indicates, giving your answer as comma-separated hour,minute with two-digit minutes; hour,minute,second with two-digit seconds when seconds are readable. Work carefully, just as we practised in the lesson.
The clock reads 7,46,14
